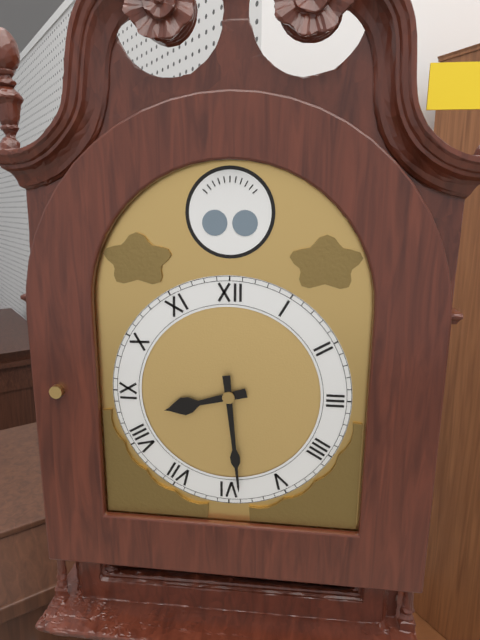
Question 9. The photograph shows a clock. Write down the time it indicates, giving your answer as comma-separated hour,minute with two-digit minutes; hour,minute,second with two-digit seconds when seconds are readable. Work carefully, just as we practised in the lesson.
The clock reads 8,29
